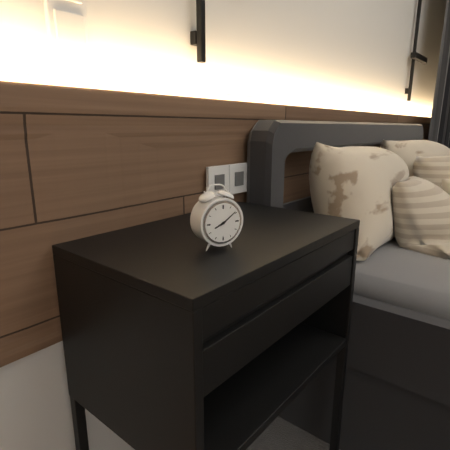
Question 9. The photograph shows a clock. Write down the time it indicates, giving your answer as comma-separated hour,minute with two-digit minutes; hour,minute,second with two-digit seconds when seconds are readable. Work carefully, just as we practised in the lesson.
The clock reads 8,09
